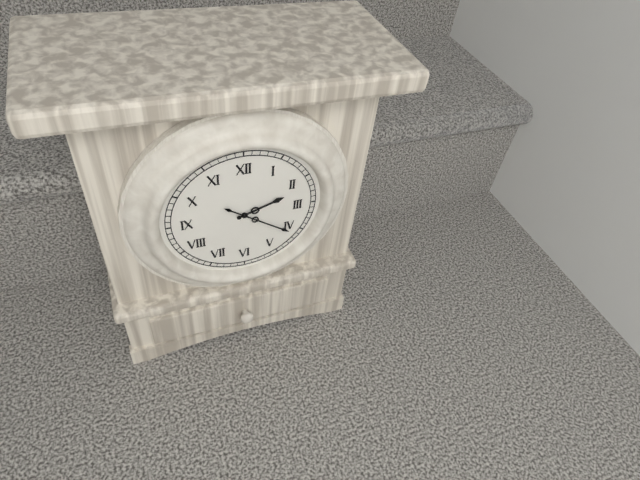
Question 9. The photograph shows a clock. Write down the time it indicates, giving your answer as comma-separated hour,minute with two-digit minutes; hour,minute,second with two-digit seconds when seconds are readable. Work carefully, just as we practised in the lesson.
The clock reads 2,21
